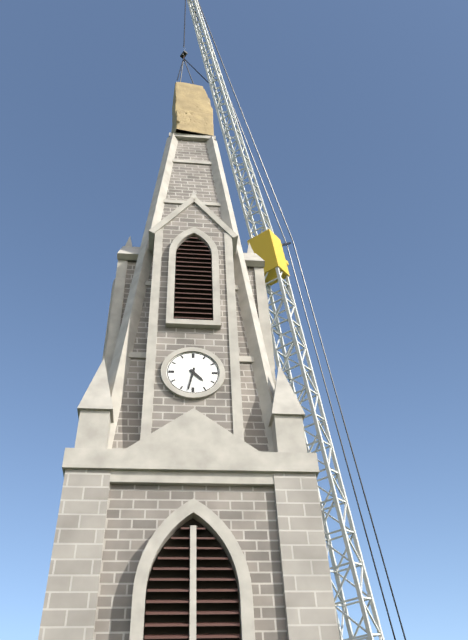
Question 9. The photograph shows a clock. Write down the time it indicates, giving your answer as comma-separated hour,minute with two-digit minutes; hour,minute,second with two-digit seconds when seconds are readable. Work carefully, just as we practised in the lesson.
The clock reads 4,32
